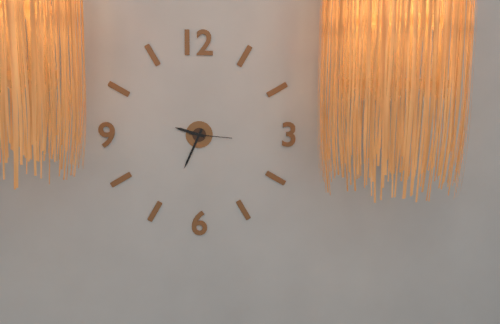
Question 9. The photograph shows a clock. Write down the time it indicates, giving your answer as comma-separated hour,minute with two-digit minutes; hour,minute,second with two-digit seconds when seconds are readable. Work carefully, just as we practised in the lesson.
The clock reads 9,34
